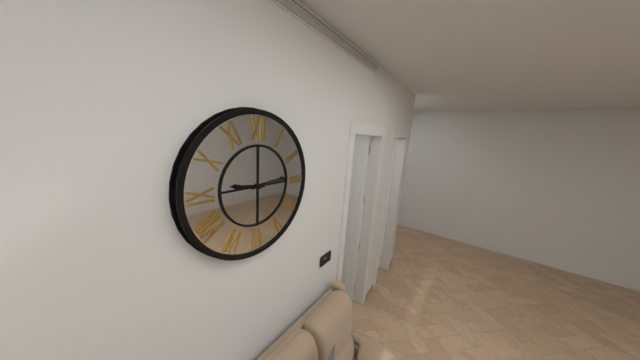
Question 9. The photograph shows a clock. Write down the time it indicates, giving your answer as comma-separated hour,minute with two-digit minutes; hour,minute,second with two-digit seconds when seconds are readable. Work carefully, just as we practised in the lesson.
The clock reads 9,14
